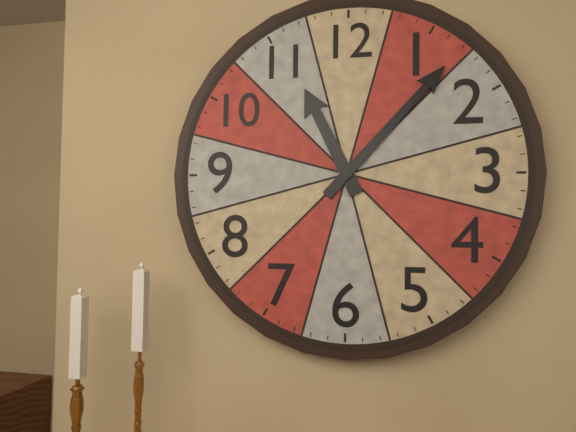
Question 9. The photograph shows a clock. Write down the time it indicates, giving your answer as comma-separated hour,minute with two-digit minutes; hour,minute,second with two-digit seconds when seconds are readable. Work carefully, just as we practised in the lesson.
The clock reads 11,07
